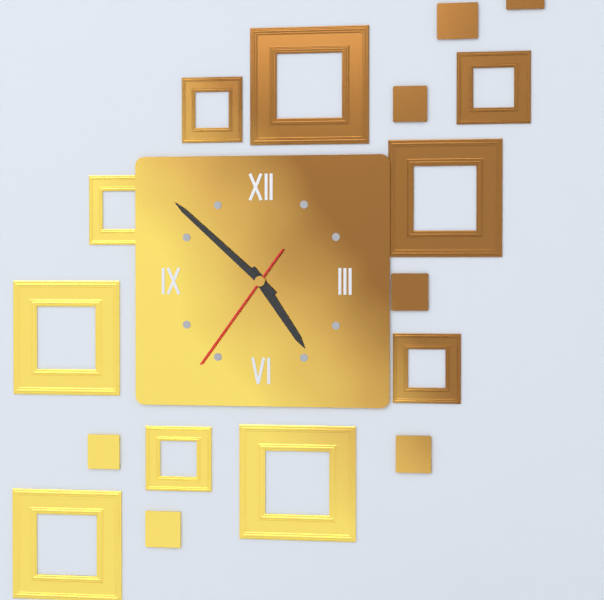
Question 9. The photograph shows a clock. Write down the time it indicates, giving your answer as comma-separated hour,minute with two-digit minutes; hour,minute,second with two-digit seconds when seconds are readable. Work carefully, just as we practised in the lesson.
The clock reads 4,52,36
